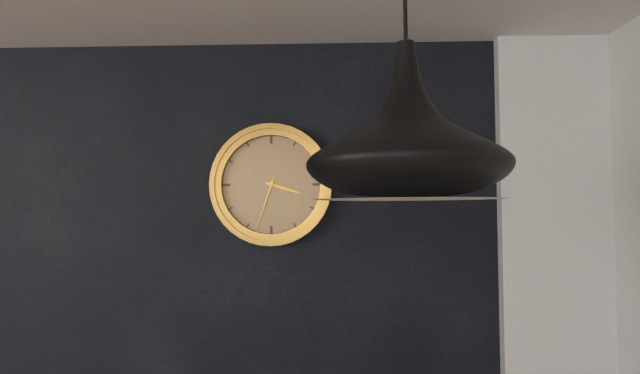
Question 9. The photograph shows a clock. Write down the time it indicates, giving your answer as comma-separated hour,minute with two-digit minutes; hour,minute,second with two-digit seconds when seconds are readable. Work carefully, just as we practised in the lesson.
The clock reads 3,33
